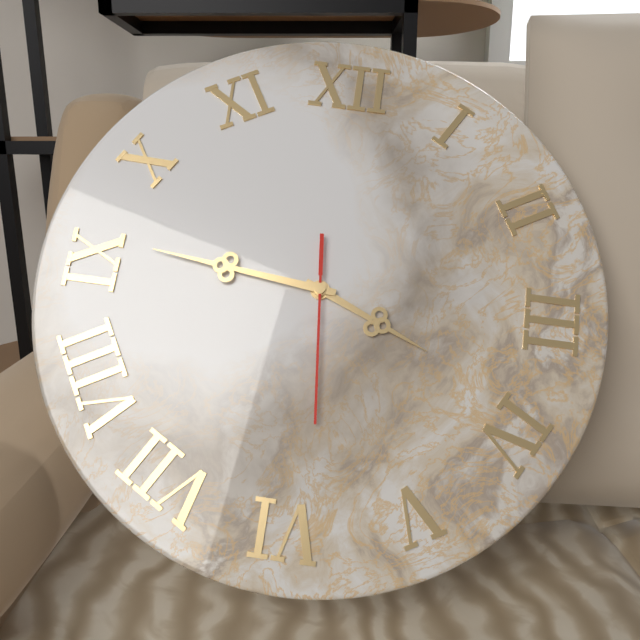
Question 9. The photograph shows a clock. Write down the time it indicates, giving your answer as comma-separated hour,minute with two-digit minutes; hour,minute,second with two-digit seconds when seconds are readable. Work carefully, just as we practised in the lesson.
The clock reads 3,46,29
